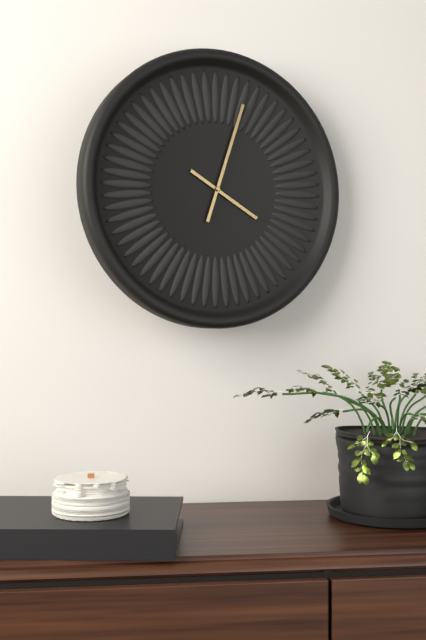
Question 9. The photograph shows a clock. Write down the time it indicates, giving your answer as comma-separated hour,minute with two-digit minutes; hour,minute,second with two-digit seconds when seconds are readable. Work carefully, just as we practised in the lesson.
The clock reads 4,03
